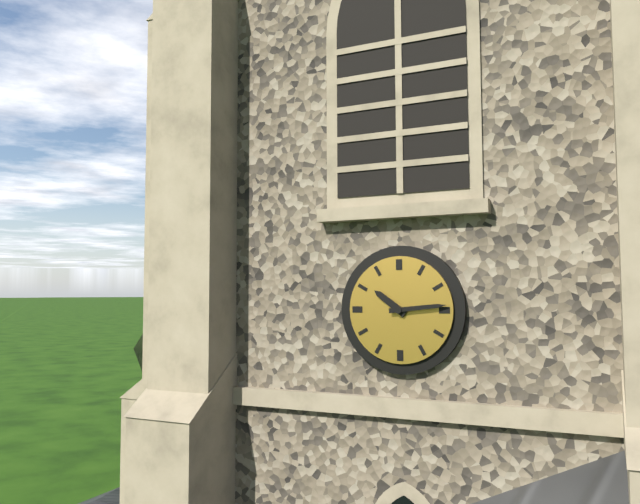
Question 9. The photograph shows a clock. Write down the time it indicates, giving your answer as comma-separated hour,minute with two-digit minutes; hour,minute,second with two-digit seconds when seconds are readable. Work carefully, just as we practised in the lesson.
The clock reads 10,14
